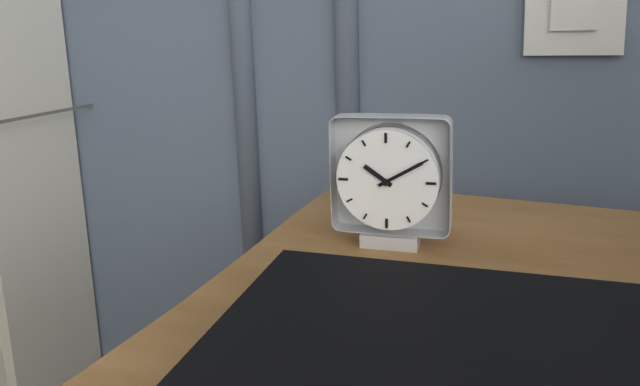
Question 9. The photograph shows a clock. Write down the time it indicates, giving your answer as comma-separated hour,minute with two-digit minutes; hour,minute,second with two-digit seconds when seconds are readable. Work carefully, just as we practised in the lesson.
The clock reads 10,10
